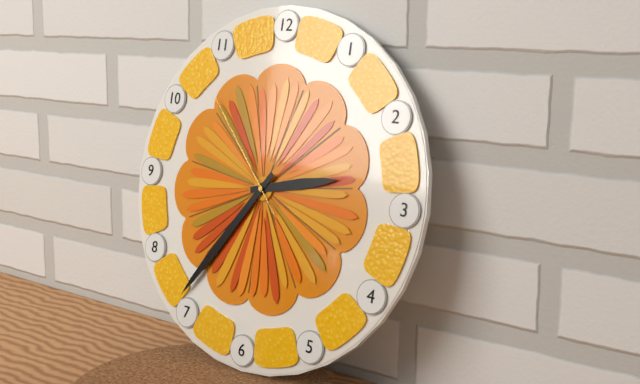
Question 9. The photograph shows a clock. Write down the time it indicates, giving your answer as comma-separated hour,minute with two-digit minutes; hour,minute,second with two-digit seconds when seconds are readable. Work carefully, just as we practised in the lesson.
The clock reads 2,36,53
